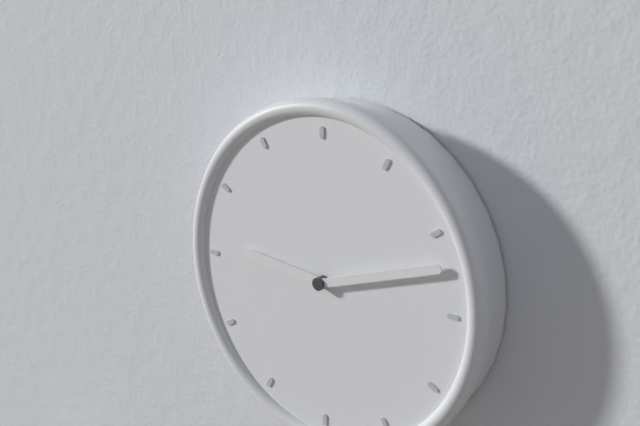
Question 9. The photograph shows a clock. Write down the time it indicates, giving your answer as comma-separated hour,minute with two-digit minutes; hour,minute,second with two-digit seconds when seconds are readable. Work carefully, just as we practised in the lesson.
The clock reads 9,12
